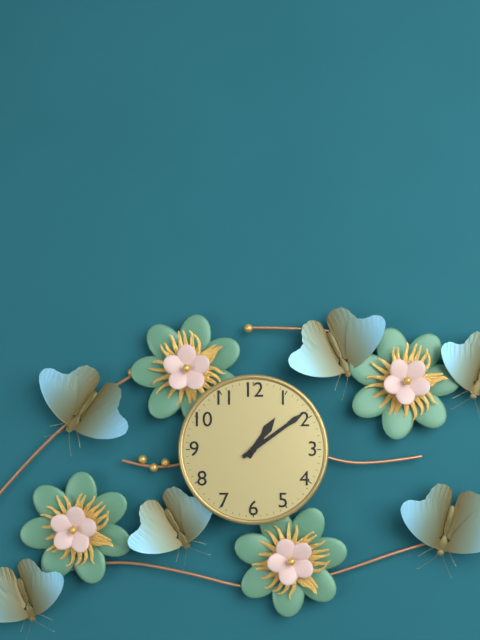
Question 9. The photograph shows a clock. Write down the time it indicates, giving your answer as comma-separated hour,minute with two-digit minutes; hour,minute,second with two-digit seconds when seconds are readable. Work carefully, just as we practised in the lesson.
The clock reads 1,09
